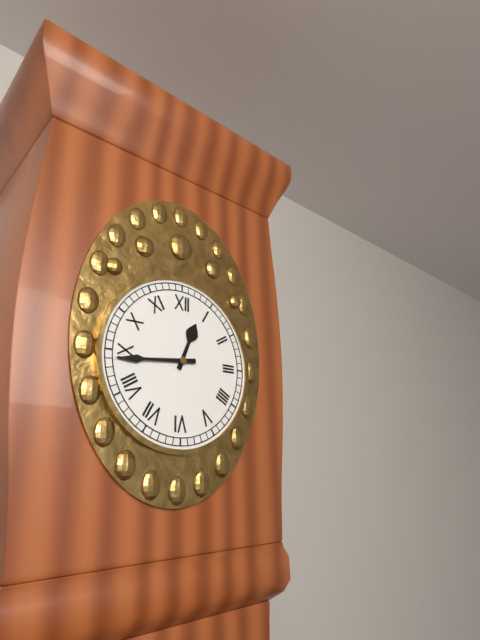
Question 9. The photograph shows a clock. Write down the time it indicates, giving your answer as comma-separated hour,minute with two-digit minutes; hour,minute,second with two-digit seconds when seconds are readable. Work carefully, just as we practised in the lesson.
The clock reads 12,44
